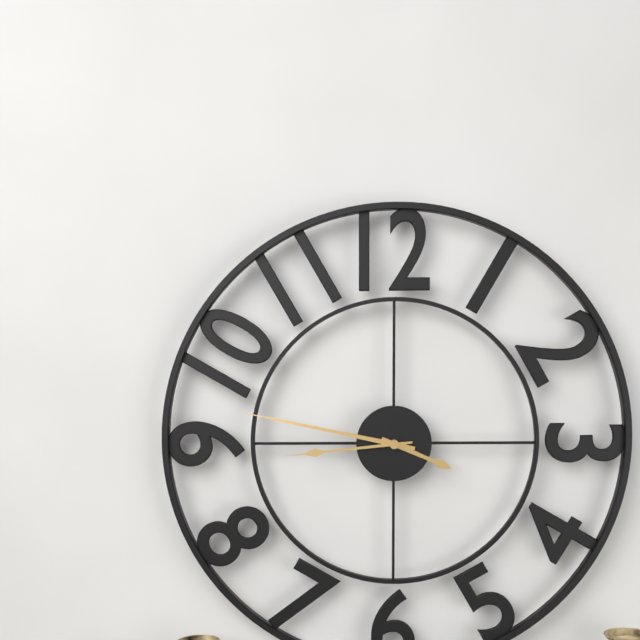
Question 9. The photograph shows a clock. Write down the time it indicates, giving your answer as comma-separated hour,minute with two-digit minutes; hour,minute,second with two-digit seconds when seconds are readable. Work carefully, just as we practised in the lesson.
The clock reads 3,47,44
